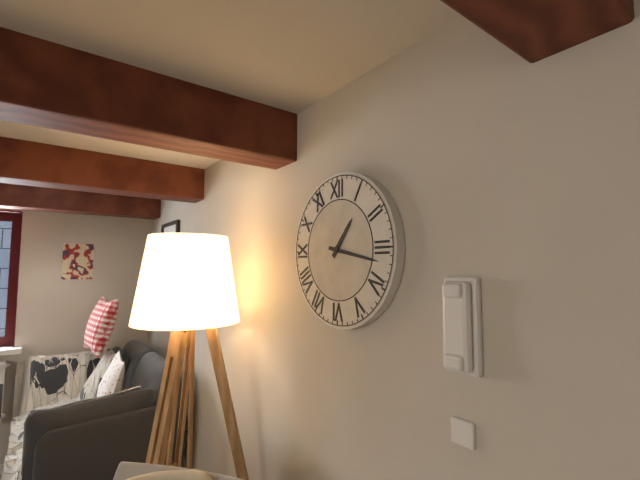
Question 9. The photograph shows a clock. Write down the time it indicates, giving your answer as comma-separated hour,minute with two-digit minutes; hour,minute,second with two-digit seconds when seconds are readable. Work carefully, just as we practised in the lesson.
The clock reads 1,17
